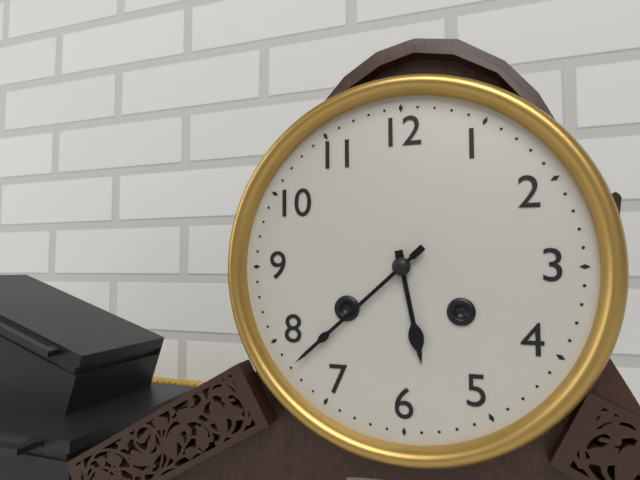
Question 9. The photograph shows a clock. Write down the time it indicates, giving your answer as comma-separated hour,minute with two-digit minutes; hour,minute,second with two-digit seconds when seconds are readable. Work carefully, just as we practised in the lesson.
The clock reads 5,38
